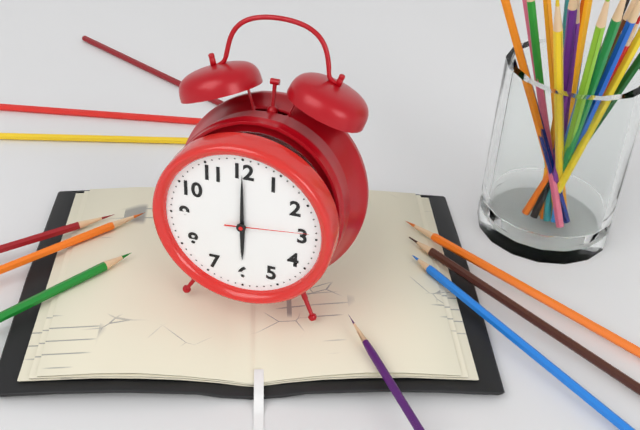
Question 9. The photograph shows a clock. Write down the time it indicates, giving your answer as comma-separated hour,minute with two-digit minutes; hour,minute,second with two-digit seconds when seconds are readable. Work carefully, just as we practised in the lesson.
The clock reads 6,00,14
